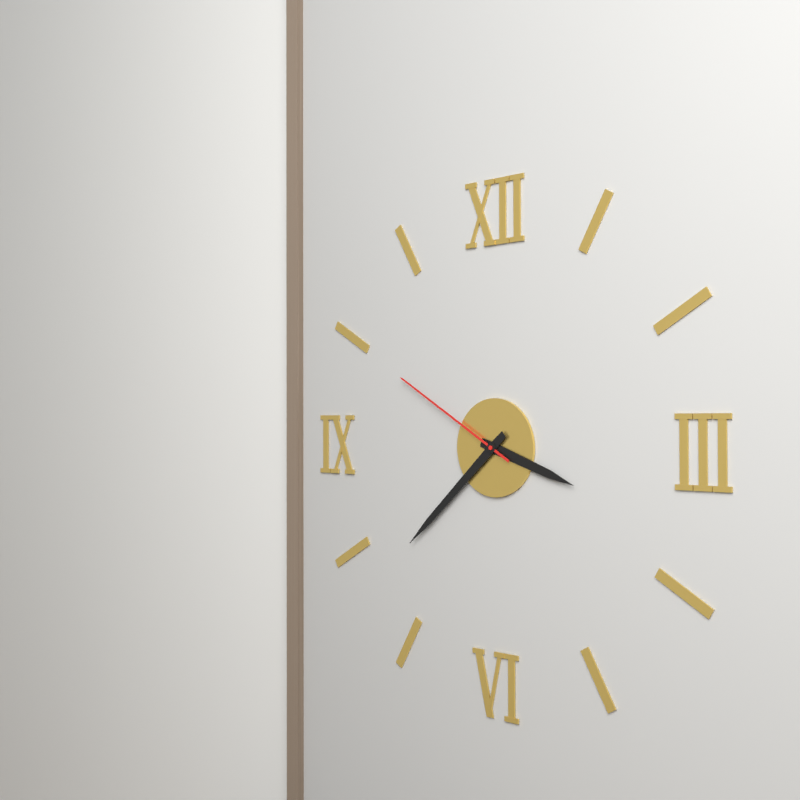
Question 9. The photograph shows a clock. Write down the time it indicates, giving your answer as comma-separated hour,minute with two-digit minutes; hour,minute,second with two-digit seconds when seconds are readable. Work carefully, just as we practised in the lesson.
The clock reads 3,38,50
